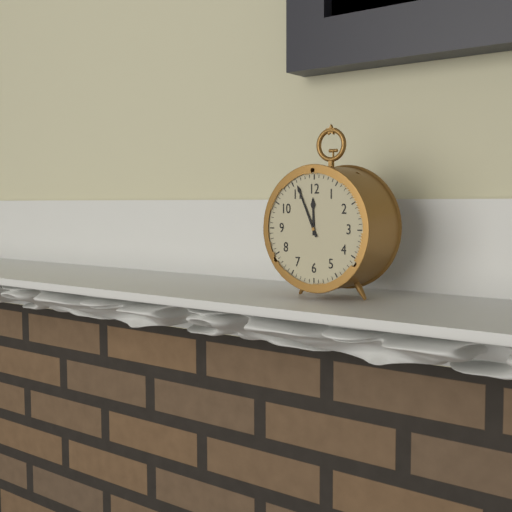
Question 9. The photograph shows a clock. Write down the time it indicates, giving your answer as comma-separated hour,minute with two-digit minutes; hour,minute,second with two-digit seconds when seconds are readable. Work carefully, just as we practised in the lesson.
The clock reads 11,56
